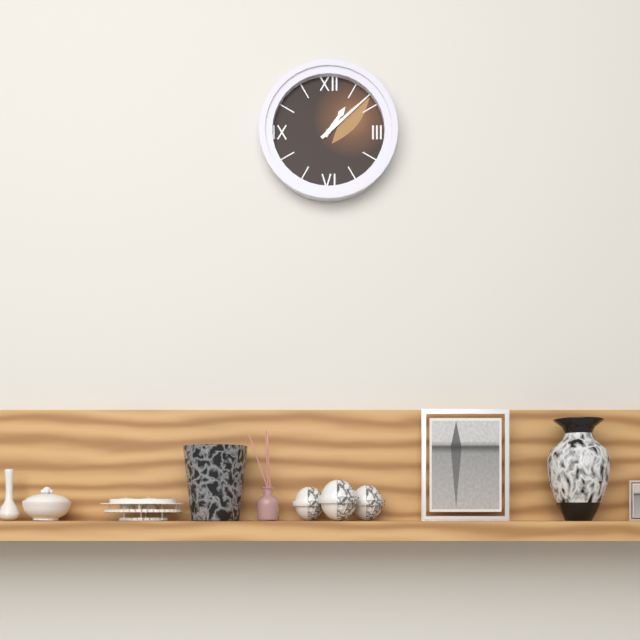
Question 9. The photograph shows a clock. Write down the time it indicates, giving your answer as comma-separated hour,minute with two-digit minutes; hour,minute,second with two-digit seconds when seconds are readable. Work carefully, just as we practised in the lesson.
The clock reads 1,08
